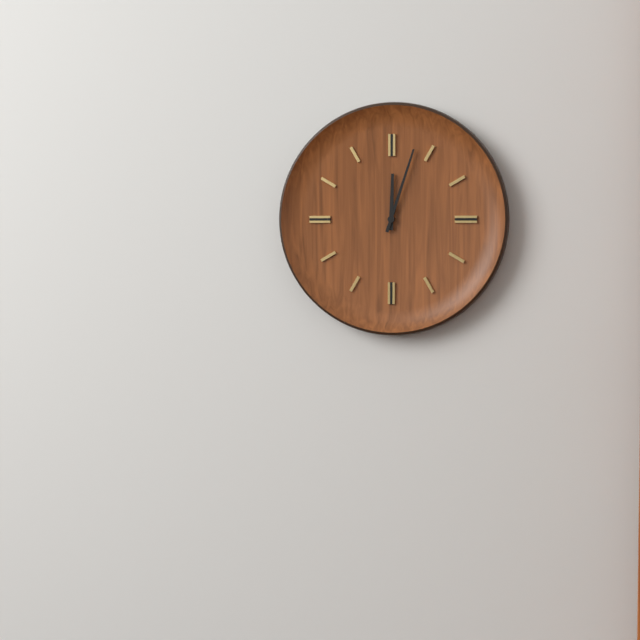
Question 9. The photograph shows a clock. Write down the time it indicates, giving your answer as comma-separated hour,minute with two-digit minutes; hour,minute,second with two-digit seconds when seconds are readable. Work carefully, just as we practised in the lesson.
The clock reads 12,03
